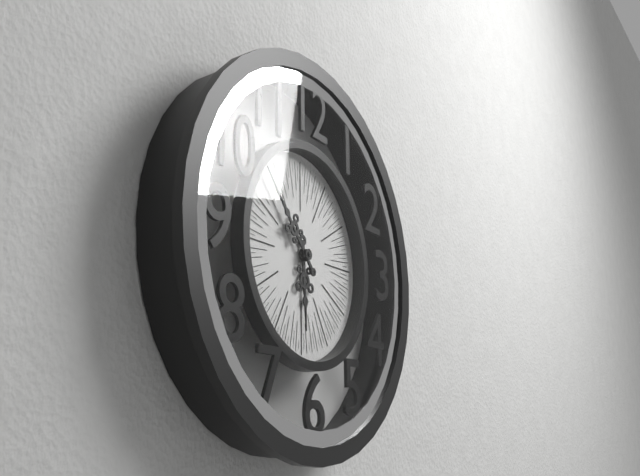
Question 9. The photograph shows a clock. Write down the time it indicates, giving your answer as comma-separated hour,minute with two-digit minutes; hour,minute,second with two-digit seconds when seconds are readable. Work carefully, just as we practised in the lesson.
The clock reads 5,53
